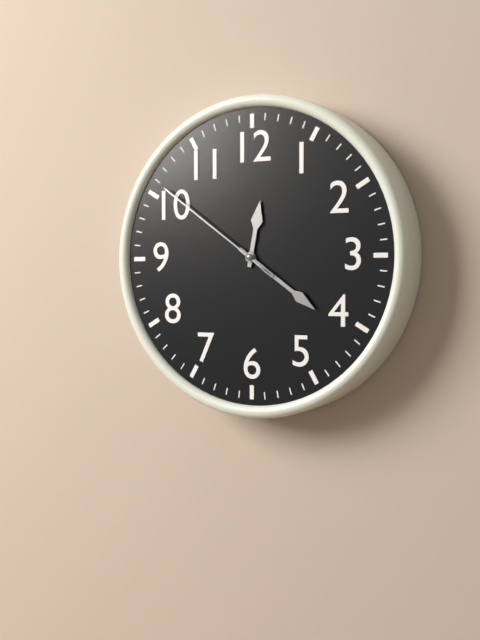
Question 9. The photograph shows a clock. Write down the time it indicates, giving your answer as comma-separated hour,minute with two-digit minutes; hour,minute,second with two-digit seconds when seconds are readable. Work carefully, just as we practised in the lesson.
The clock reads 12,21,51
